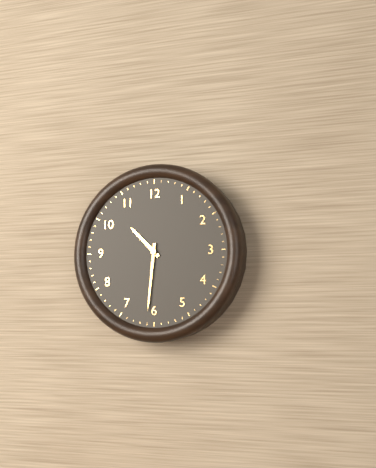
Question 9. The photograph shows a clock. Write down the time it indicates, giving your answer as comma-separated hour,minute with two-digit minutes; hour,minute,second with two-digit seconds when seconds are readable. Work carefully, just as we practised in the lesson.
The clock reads 10,31
